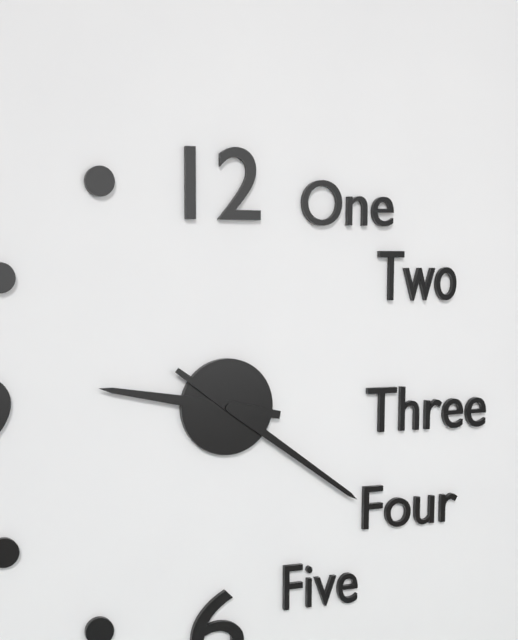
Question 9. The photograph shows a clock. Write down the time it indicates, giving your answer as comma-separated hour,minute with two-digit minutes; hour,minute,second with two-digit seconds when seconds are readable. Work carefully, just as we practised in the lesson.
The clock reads 9,21
